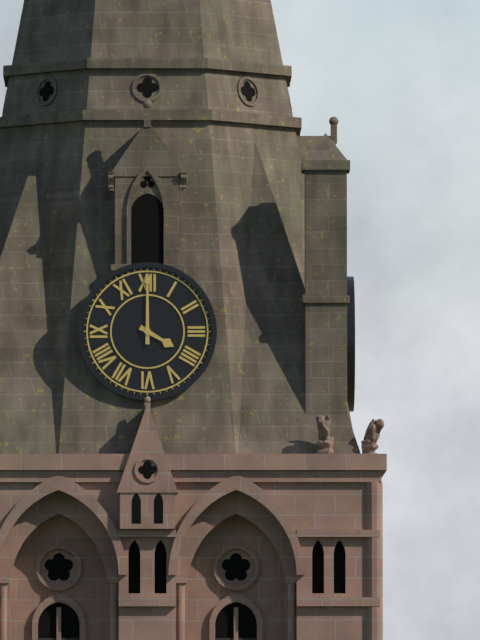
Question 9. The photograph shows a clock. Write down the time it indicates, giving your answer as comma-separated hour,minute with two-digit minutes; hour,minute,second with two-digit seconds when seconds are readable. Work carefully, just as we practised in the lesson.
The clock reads 4,00
